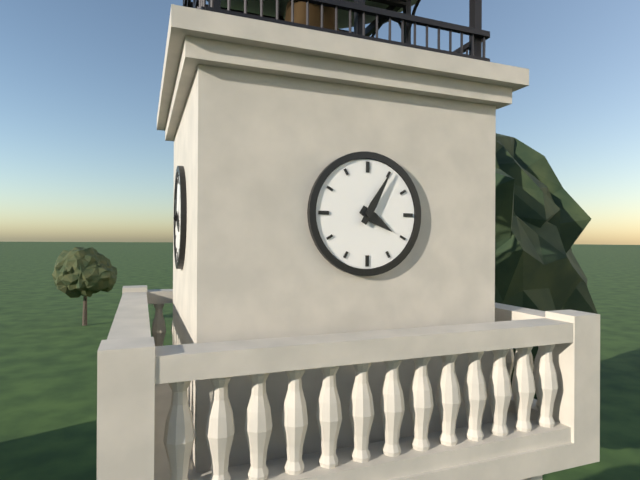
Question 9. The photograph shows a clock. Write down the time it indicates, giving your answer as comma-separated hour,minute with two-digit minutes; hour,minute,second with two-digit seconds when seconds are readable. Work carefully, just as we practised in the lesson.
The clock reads 4,05
